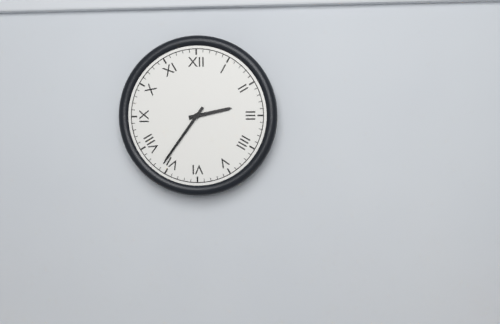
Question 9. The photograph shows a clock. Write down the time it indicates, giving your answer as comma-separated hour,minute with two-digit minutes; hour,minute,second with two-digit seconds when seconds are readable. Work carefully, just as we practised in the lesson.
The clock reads 2,36
